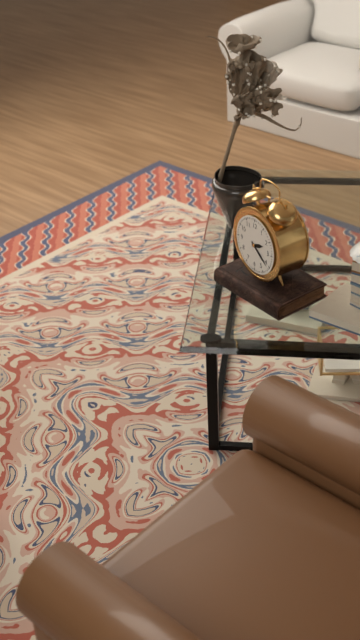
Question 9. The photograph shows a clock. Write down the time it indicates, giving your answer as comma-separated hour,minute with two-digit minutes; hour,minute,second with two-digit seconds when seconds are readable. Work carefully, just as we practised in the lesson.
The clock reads 2,21
